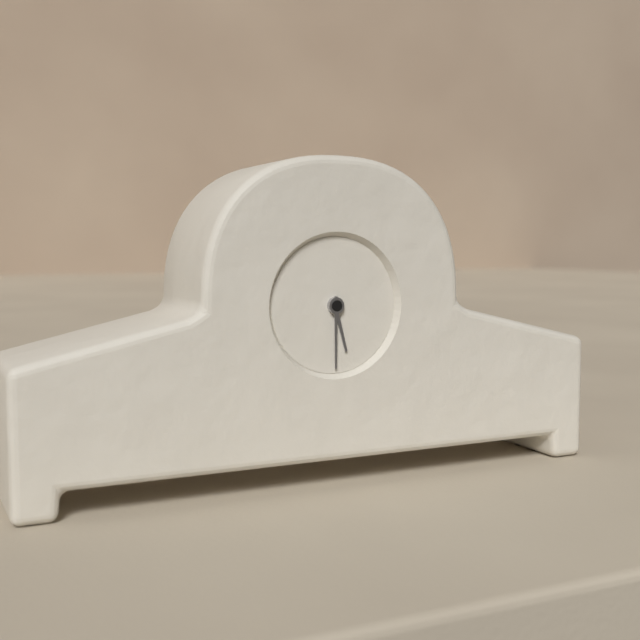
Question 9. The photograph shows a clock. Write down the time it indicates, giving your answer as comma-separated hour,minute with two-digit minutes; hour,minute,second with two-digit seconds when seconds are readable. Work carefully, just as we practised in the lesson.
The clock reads 5,30
